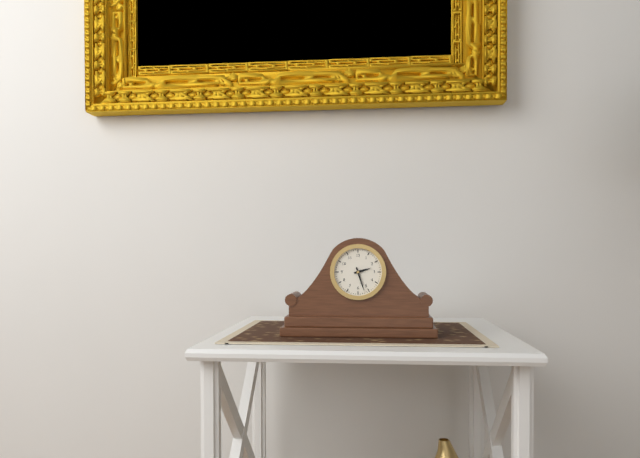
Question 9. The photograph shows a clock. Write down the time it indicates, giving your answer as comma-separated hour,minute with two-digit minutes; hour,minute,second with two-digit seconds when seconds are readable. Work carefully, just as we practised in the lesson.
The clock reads 2,27
